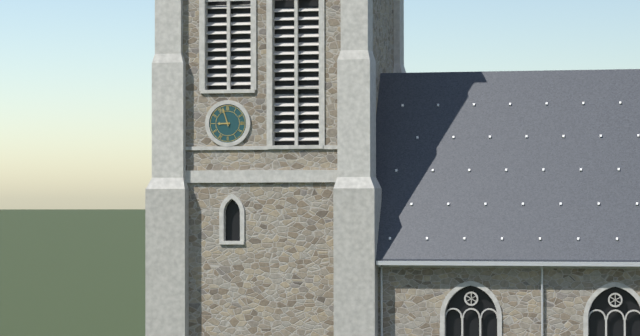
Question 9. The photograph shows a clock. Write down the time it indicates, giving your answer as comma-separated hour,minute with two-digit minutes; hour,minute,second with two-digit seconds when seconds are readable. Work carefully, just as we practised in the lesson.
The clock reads 8,57
